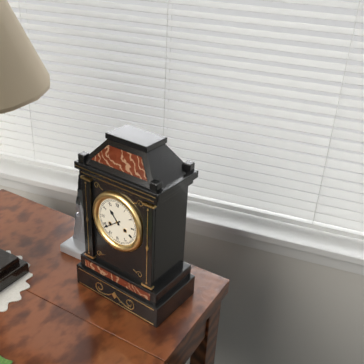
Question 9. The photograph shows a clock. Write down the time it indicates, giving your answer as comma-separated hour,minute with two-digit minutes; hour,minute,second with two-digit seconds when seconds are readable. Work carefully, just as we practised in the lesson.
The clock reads 10,39
